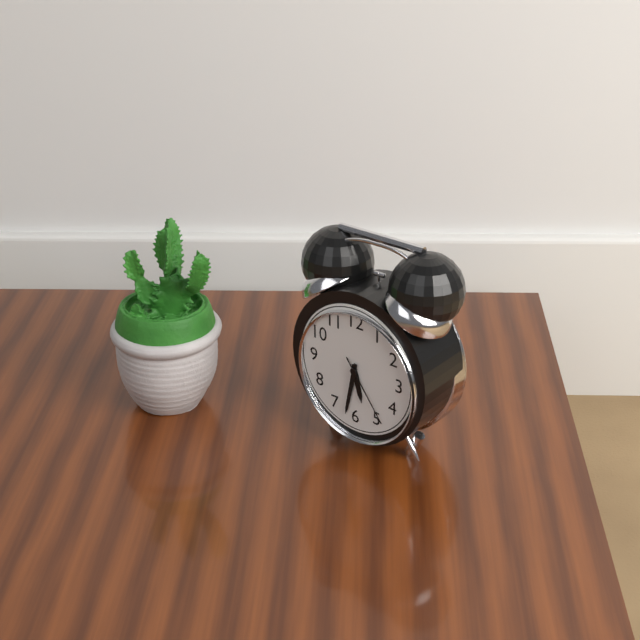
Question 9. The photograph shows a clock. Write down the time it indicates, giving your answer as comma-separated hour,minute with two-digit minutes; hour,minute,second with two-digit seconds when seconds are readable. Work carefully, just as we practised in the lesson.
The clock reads 5,32,24
